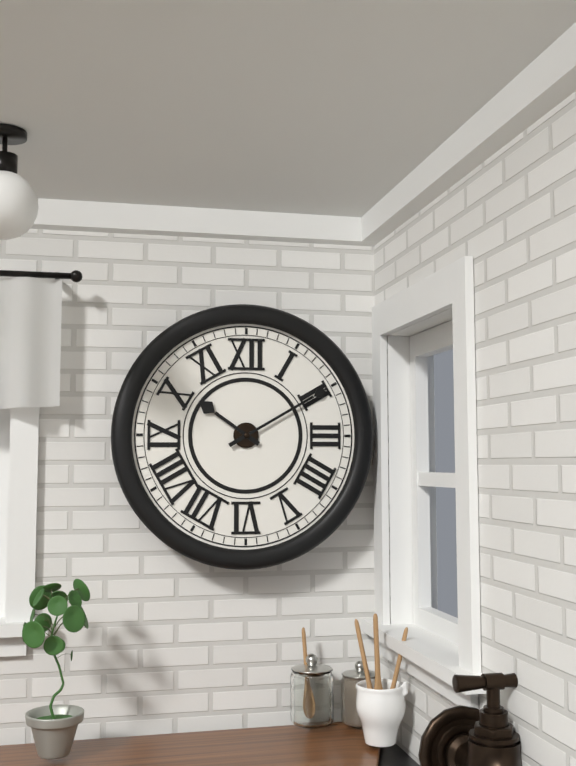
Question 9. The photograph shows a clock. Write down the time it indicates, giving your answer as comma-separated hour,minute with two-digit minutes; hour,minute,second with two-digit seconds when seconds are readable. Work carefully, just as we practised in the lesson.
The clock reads 10,10
